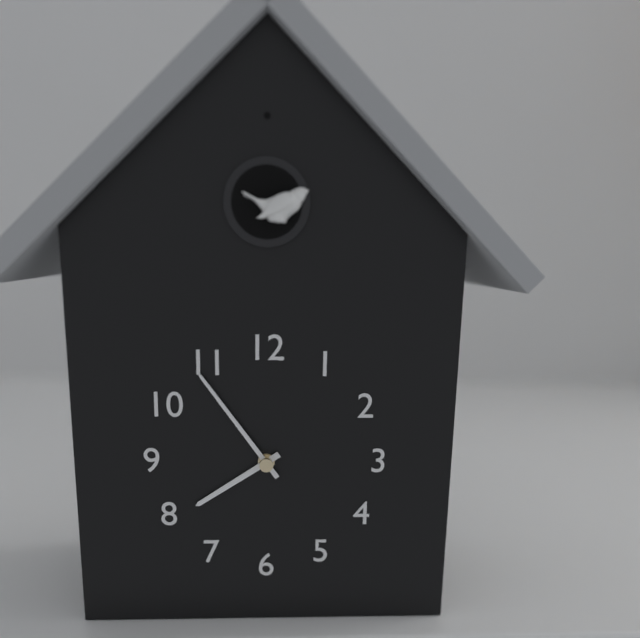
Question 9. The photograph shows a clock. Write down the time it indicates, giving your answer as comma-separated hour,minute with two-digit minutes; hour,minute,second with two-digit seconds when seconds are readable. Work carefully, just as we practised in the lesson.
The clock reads 7,54
